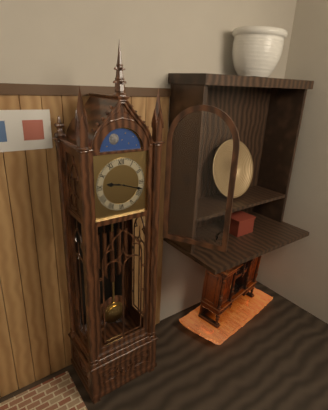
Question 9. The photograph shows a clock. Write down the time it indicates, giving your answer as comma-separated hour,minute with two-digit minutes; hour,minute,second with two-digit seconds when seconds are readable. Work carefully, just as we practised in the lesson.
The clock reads 9,18
